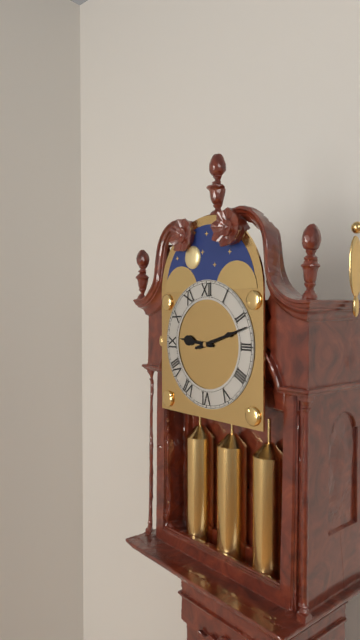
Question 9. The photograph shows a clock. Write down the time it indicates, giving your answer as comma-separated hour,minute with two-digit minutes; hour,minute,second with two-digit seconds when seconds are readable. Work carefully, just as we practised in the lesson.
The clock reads 9,12
